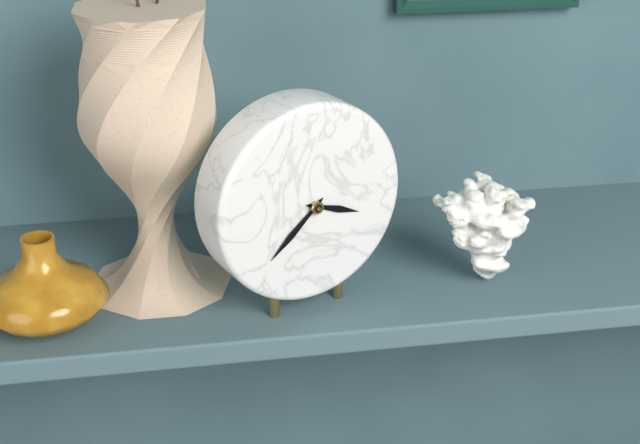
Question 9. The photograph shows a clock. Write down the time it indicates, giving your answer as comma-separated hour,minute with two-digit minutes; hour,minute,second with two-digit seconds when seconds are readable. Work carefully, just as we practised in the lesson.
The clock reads 3,38
